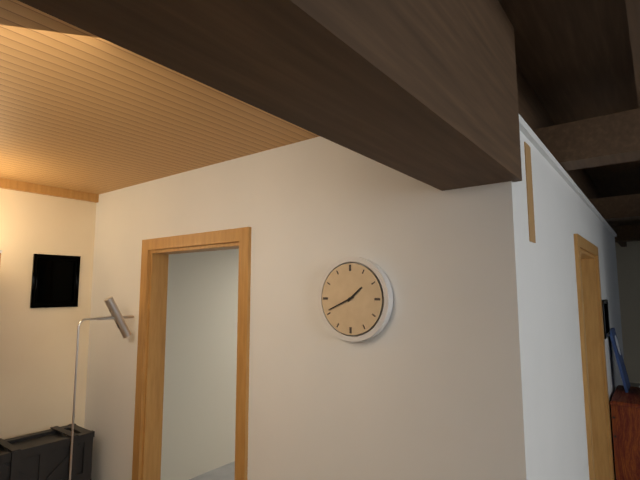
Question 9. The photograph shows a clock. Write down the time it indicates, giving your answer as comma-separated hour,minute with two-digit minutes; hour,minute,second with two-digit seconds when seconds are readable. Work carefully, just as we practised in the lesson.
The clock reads 1,41
